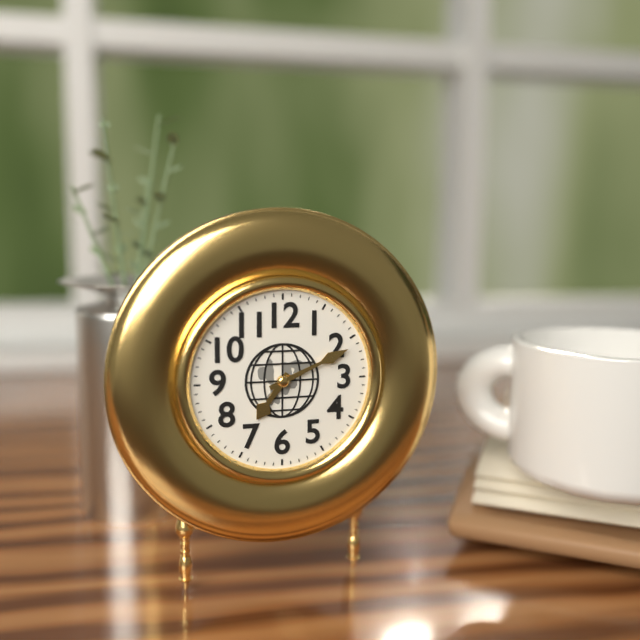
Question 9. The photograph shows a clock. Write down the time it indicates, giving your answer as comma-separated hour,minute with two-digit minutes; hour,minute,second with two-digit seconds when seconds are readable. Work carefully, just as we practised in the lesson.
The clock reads 7,11
